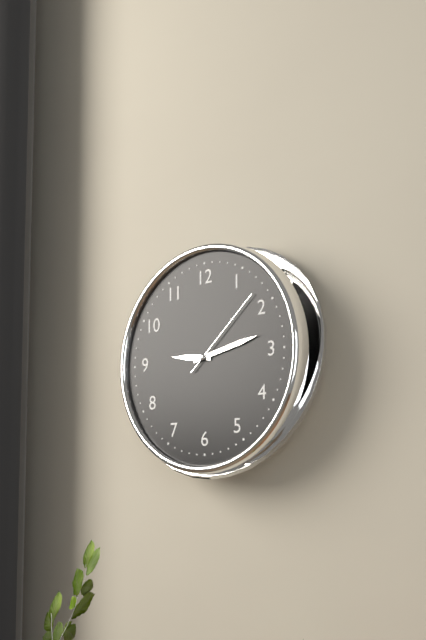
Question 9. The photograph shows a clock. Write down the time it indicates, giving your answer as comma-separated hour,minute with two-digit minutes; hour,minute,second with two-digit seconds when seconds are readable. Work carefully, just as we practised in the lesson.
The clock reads 9,13,08
